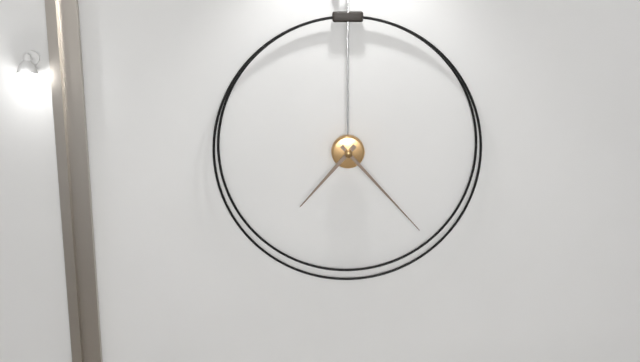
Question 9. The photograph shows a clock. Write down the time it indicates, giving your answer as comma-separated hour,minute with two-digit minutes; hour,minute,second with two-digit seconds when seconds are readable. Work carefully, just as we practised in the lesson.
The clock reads 7,23
